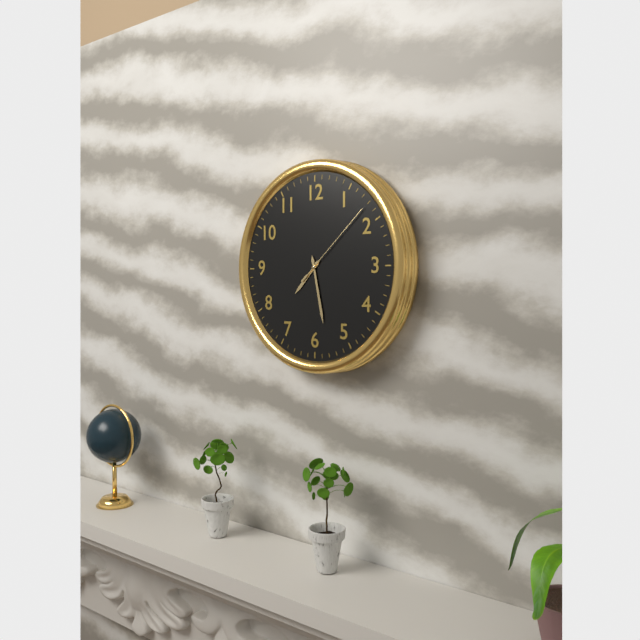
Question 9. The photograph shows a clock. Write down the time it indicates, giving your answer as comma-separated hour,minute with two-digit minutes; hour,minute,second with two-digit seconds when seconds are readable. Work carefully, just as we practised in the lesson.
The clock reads 7,28,08
